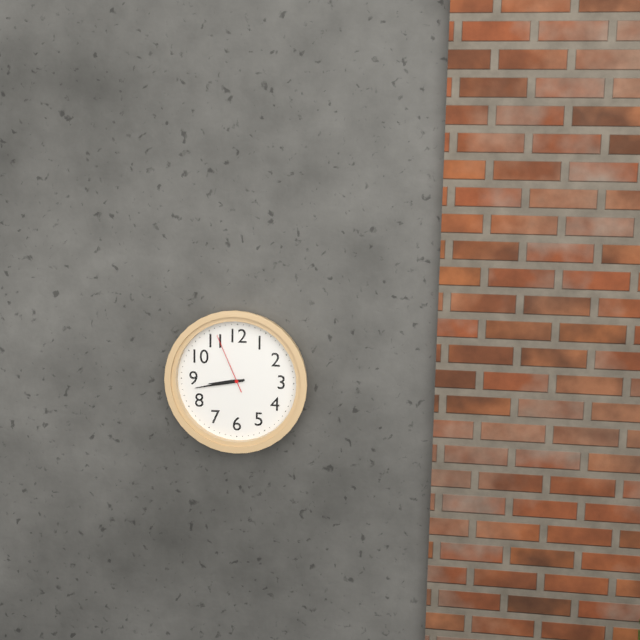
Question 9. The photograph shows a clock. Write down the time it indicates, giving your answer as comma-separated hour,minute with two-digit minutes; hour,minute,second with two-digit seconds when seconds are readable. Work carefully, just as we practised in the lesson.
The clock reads 8,43,56
